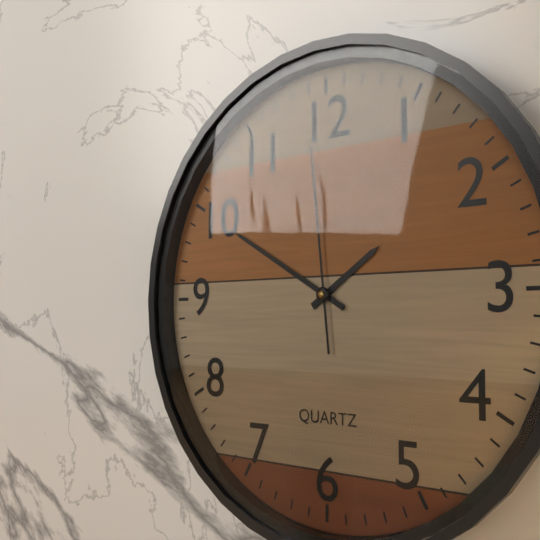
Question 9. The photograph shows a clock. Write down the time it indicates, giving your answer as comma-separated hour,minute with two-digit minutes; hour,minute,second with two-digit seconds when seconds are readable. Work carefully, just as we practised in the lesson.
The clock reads 1,50,59
